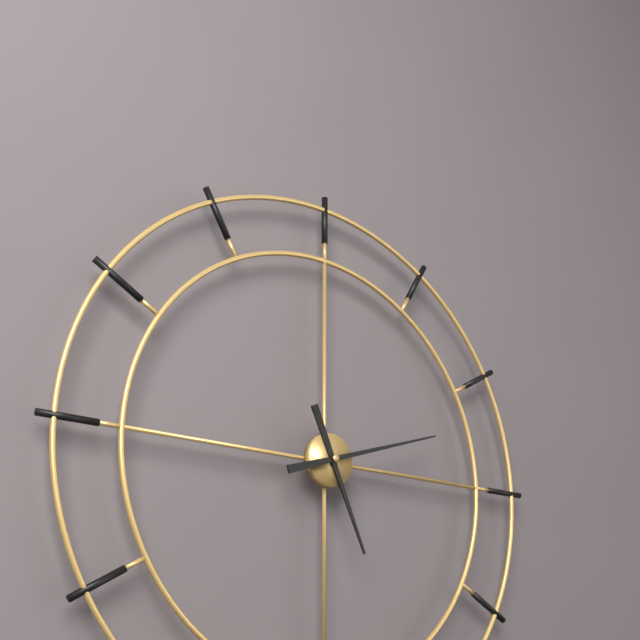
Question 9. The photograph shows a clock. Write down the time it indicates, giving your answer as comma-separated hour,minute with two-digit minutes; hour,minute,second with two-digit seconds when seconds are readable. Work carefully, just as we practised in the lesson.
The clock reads 5,12
